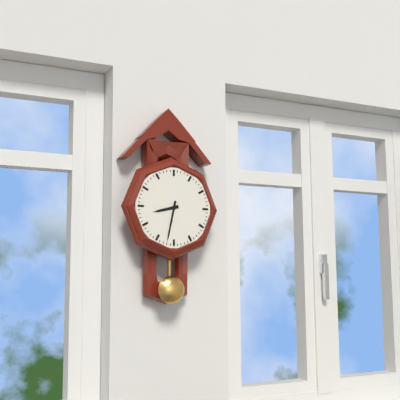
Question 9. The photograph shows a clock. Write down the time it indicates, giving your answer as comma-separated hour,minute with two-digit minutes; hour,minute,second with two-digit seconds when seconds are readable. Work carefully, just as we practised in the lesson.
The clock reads 8,32
